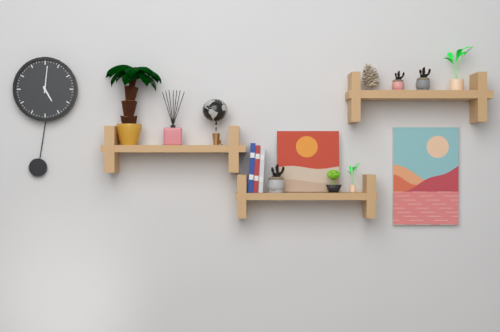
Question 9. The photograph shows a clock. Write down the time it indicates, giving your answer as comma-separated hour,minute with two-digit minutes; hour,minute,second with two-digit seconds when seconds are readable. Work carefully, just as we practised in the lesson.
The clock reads 5,01
